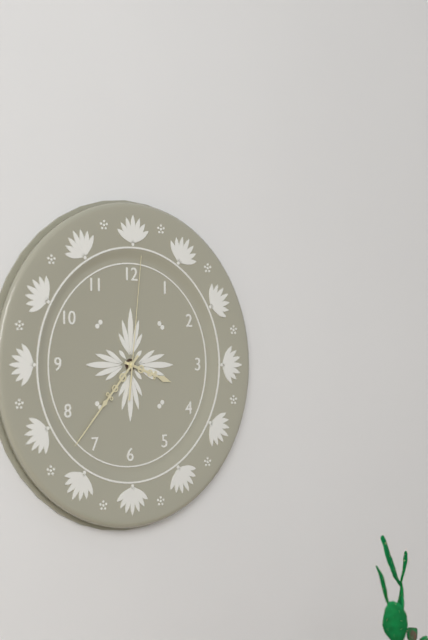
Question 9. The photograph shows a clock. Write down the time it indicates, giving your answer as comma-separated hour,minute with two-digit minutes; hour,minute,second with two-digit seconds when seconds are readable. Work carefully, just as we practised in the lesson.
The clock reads 3,37,01
